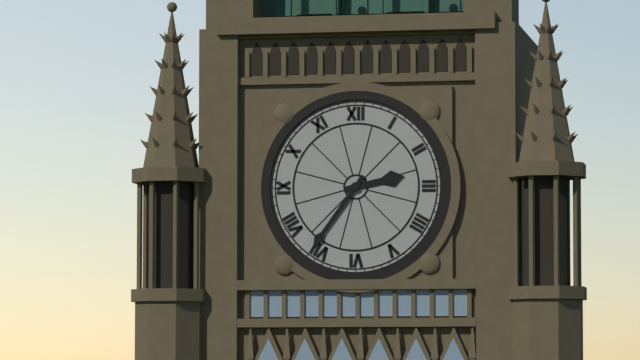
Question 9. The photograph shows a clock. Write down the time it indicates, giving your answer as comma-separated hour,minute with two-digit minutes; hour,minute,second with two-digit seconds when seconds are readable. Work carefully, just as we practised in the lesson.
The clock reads 2,36
